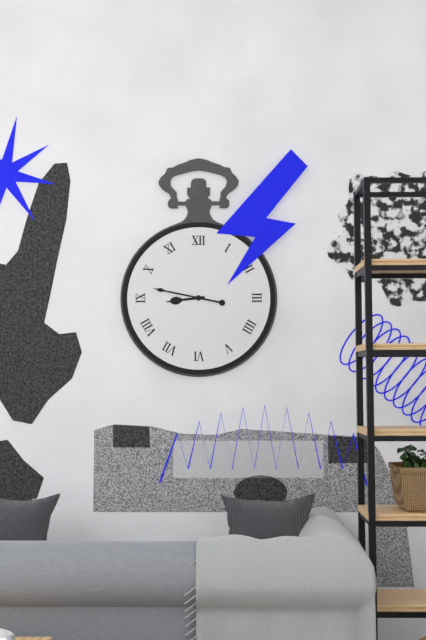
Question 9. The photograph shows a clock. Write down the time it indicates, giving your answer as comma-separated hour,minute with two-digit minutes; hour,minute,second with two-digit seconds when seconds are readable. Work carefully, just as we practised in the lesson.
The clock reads 8,47
